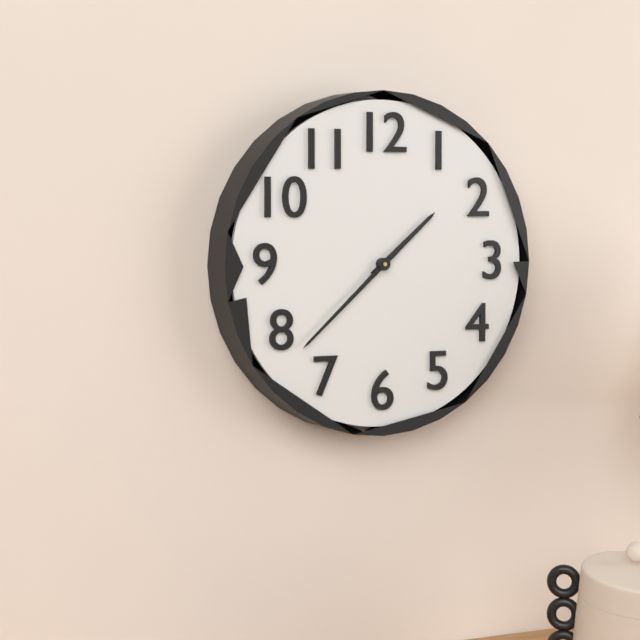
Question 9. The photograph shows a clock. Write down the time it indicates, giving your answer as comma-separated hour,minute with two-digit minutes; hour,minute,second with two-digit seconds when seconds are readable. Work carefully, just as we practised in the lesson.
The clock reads 1,38
